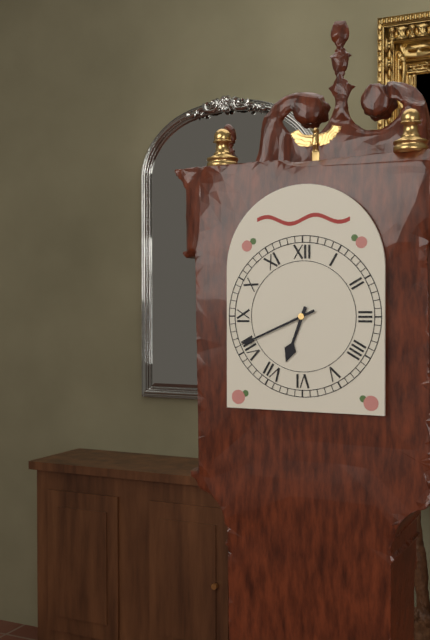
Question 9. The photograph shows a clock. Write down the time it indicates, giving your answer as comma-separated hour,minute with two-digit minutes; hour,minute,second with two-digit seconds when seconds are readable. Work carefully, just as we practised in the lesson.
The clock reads 6,41
